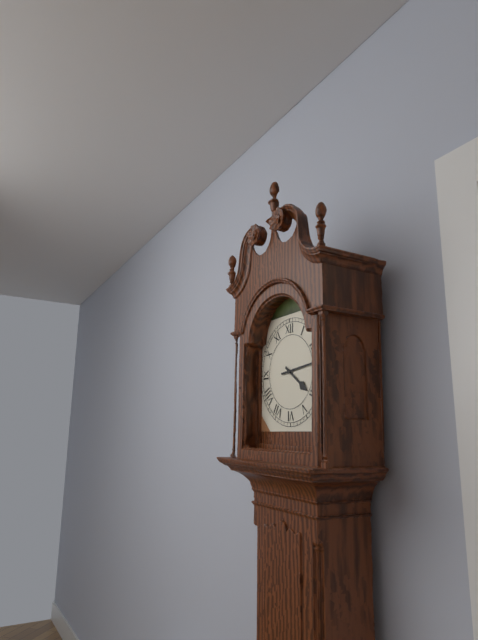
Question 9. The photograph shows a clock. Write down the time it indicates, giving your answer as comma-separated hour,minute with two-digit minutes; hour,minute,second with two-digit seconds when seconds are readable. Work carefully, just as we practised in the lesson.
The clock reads 4,14
